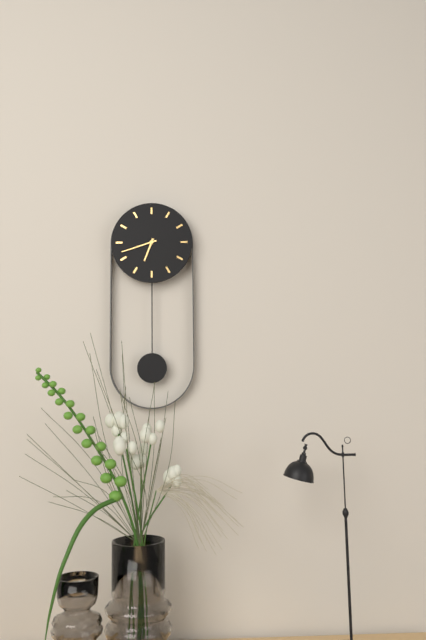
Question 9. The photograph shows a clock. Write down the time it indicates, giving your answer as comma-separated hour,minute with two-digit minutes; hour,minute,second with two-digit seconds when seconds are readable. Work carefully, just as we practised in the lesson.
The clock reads 6,42
